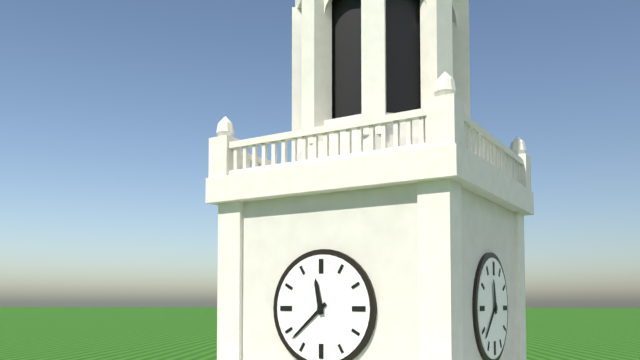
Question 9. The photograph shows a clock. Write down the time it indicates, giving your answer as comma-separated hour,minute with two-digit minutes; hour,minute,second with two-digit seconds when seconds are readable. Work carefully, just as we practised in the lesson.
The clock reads 11,38
